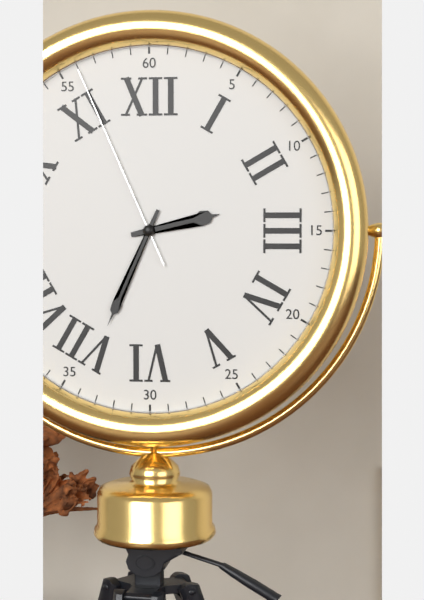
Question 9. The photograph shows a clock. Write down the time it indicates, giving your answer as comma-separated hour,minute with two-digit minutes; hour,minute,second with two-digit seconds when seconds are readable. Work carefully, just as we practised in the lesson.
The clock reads 2,34,56
